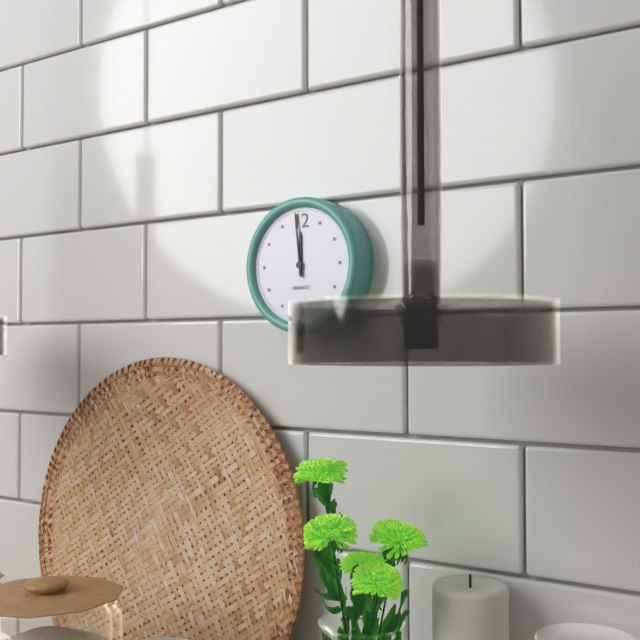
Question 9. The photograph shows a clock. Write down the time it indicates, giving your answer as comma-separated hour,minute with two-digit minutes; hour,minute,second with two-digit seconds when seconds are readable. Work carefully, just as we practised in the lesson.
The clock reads 11,59
